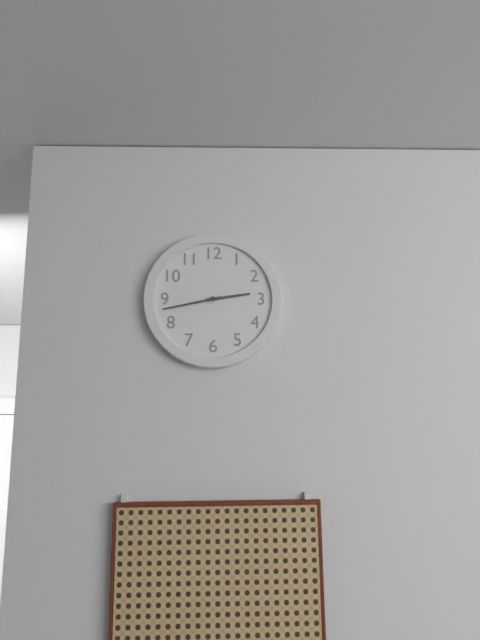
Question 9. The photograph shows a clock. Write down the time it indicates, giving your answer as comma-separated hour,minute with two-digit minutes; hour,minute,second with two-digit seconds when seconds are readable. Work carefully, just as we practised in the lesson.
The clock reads 2,43
